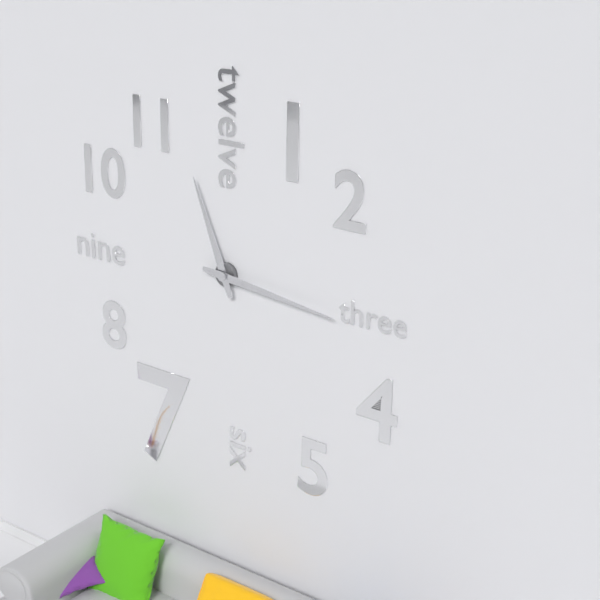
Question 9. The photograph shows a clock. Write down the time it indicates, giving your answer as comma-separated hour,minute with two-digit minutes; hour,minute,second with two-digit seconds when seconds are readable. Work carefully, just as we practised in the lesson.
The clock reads 11,16
